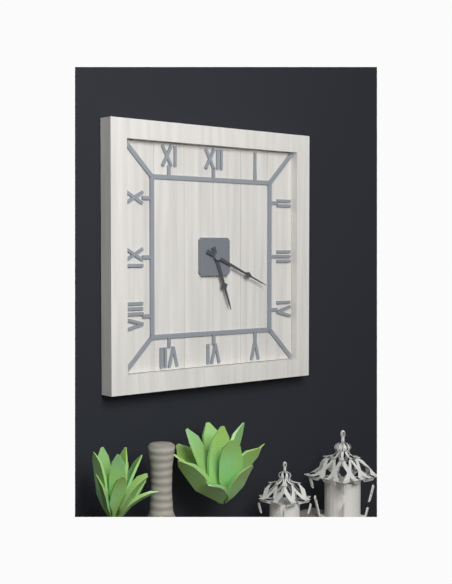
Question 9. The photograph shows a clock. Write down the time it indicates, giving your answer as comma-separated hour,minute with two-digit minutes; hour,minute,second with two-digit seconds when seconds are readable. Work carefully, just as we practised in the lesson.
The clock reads 5,19
